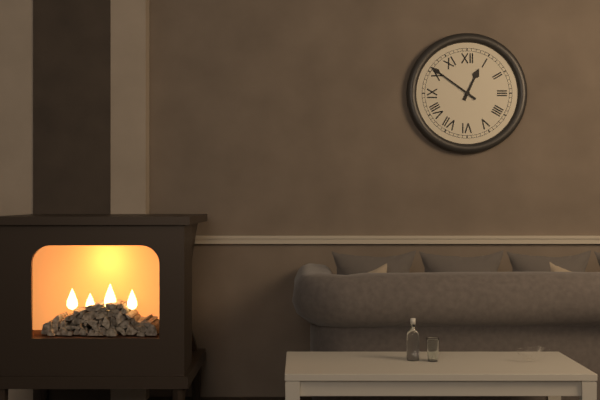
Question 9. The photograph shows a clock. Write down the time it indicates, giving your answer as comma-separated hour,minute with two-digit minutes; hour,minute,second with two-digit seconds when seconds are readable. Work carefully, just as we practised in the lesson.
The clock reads 12,51
